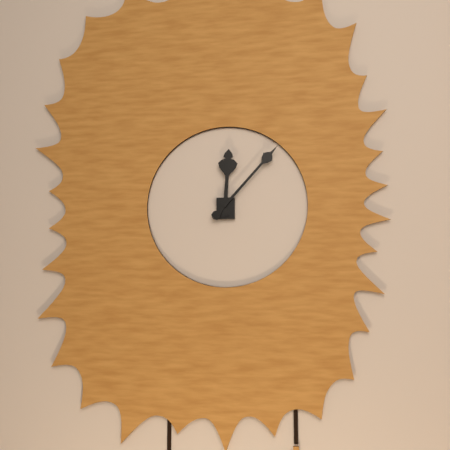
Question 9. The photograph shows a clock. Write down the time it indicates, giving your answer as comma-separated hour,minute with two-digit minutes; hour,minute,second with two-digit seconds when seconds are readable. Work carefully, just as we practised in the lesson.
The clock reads 12,07
